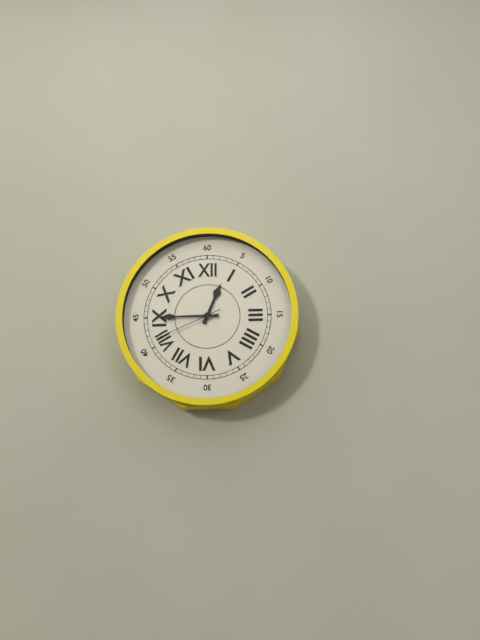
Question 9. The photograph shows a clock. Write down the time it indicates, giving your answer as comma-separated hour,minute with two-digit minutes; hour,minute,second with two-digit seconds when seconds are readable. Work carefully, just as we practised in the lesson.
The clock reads 12,45,41
